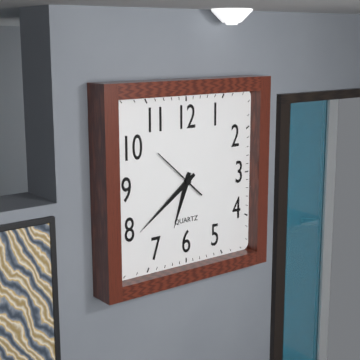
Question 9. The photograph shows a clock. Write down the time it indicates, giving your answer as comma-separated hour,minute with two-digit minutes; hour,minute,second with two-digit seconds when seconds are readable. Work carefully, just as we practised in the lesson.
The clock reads 6,39,52
